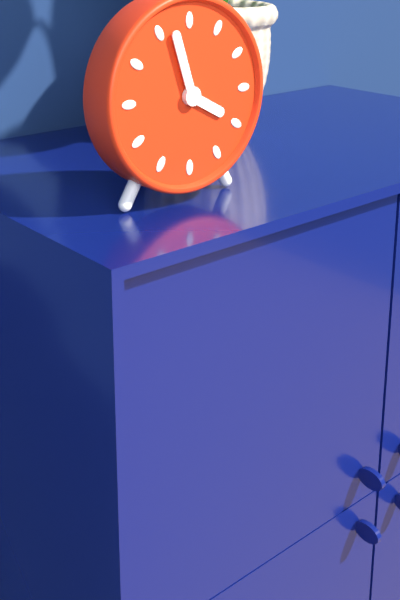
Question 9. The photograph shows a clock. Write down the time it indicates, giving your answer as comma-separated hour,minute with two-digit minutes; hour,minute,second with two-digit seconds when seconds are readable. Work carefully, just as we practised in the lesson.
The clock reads 3,57
